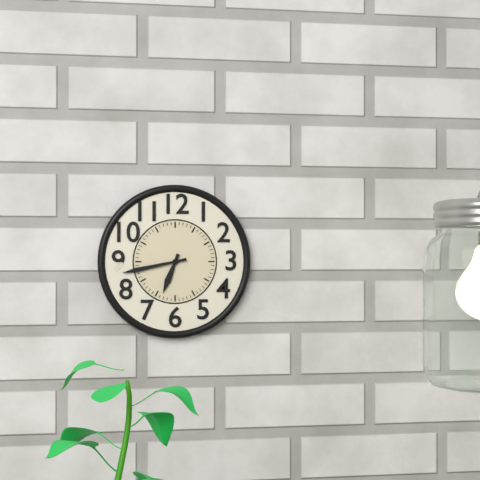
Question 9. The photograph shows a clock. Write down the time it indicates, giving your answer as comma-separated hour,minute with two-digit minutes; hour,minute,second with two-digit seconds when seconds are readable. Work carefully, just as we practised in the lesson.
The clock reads 6,43
